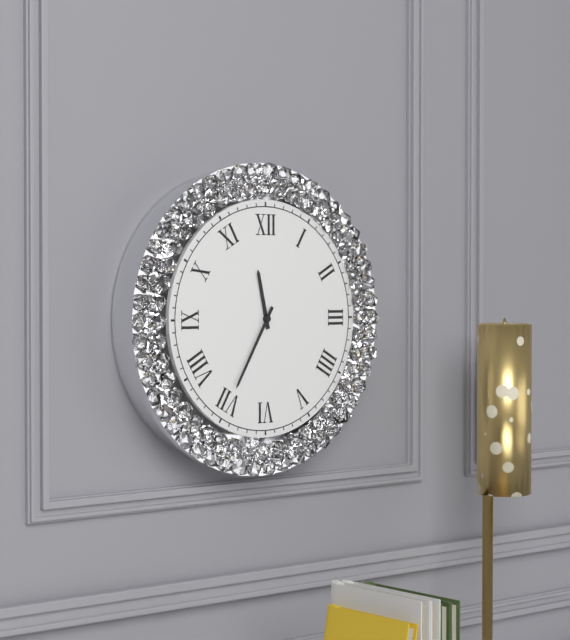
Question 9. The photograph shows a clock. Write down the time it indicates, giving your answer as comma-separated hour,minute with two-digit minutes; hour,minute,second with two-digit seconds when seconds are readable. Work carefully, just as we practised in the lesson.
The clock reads 11,35
